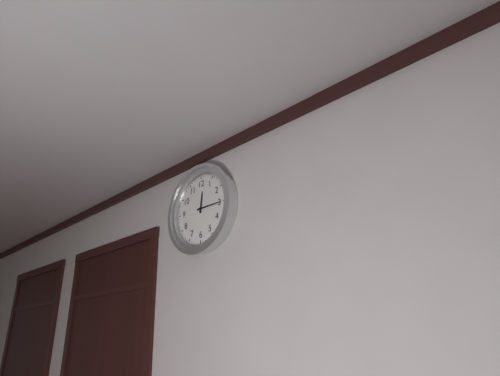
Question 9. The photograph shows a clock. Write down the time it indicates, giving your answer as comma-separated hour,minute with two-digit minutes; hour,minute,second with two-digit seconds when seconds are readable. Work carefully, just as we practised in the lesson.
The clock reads 12,15
